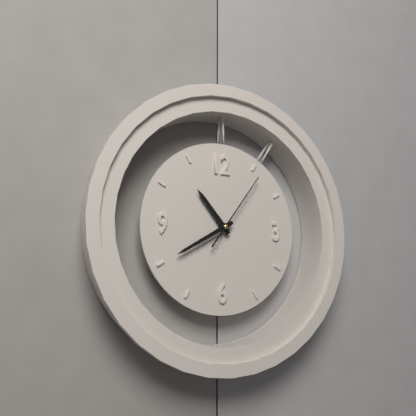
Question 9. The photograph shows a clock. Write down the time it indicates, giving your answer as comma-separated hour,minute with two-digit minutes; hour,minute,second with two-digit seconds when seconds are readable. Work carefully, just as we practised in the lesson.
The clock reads 10,40,06
